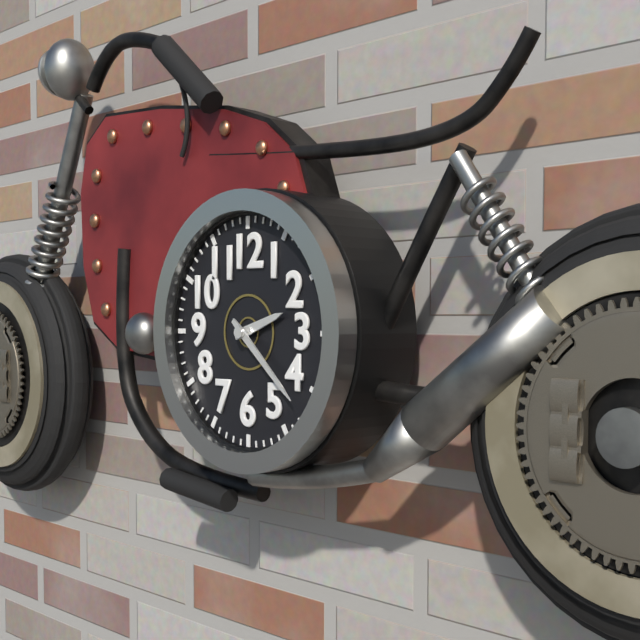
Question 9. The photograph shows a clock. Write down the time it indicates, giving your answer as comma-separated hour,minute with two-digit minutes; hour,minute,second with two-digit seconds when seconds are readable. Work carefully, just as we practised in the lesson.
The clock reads 2,22
